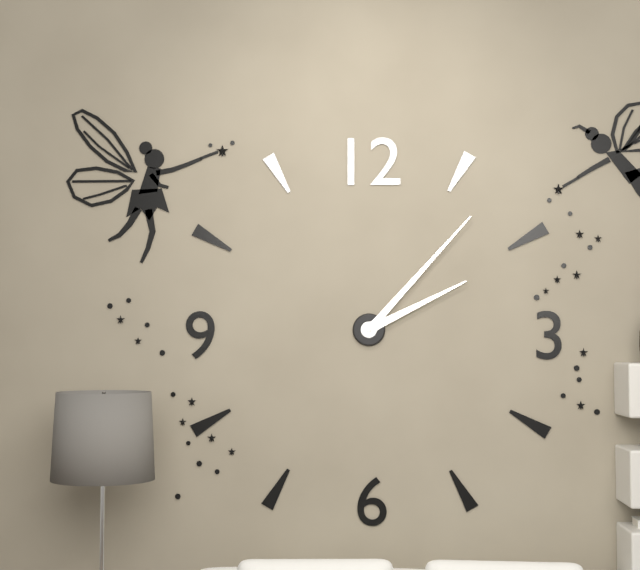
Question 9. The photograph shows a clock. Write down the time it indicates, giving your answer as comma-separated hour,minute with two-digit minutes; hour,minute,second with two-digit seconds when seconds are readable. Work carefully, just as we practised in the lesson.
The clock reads 2,07
